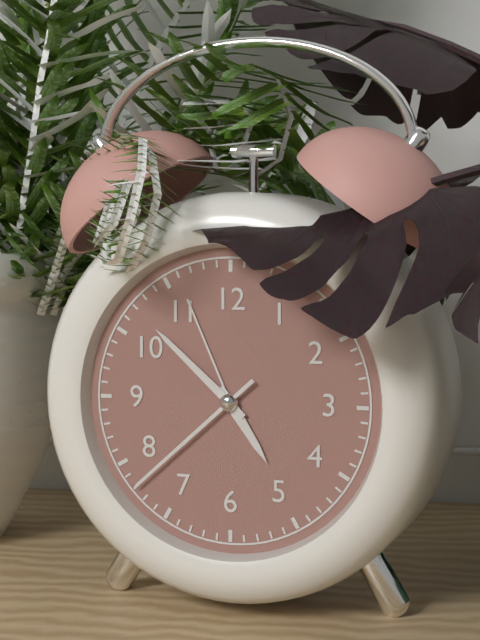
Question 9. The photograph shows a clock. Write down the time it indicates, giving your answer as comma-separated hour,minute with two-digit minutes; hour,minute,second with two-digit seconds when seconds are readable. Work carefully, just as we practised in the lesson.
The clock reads 4,52,38
